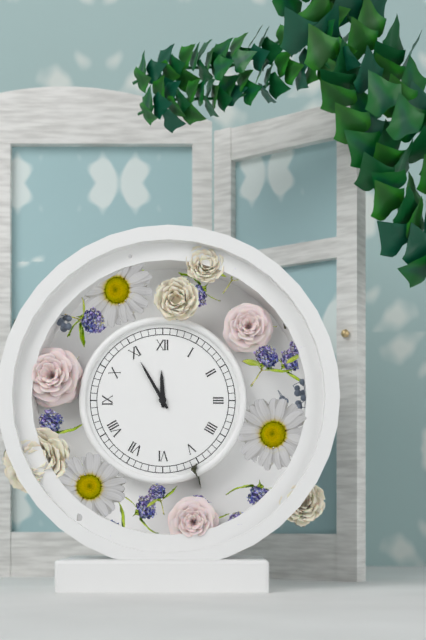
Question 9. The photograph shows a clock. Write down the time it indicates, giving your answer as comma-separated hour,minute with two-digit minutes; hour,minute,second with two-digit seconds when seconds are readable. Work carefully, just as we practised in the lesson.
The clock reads 11,55
